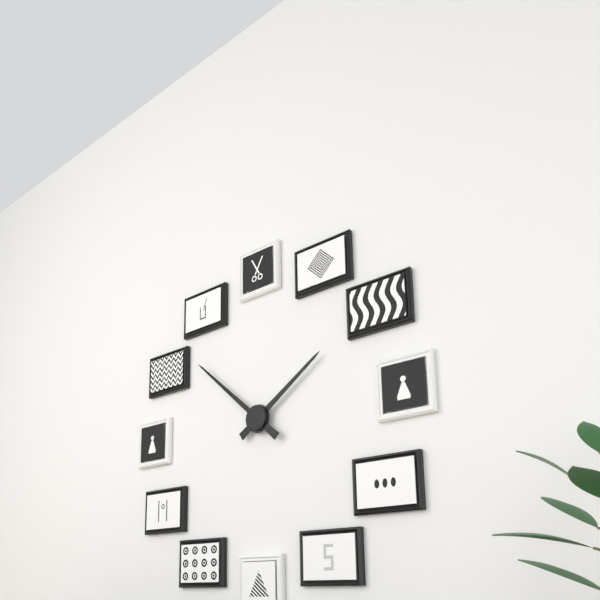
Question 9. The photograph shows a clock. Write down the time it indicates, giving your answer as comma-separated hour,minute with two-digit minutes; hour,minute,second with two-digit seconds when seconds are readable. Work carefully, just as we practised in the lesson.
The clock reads 1,52
